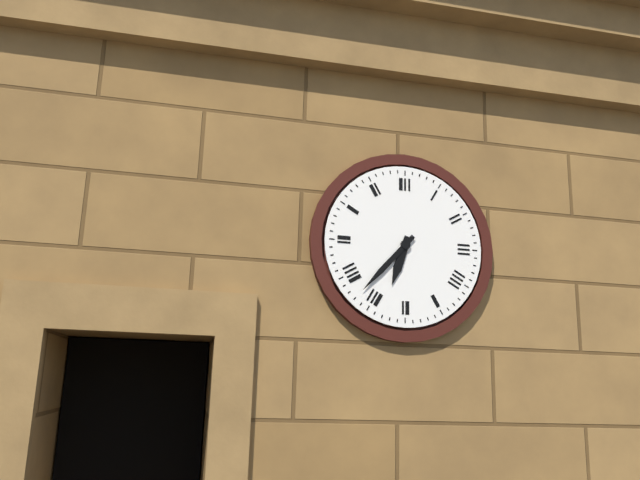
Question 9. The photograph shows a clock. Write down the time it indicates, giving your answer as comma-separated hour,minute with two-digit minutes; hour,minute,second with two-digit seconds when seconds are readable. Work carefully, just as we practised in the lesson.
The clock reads 6,37
